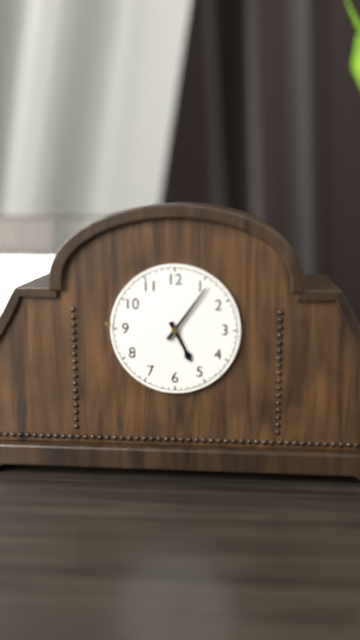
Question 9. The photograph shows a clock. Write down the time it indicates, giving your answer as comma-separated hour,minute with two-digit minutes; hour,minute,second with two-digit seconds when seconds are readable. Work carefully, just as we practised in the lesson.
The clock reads 5,06
